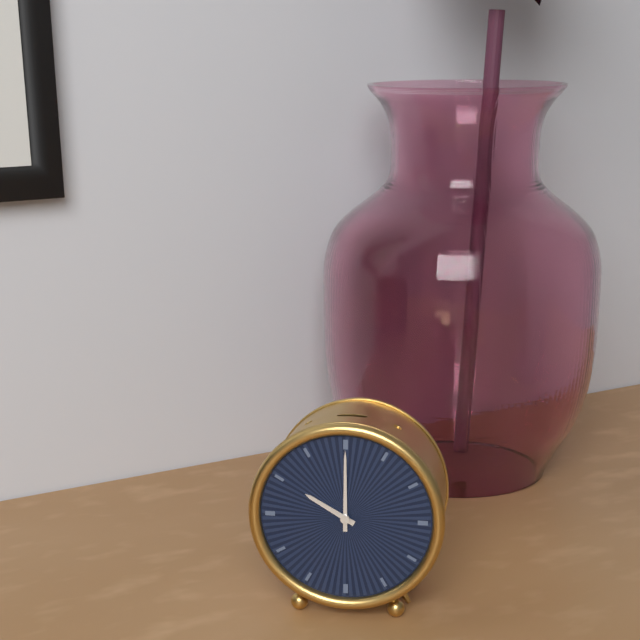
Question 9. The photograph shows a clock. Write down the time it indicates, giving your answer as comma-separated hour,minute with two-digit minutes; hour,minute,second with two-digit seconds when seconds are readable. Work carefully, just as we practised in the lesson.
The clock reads 10,00
